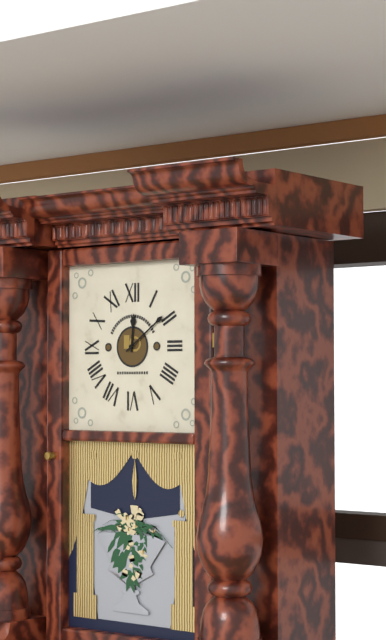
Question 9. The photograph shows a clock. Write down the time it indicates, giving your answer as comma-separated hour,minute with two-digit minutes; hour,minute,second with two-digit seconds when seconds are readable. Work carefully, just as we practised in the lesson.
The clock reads 12,09
